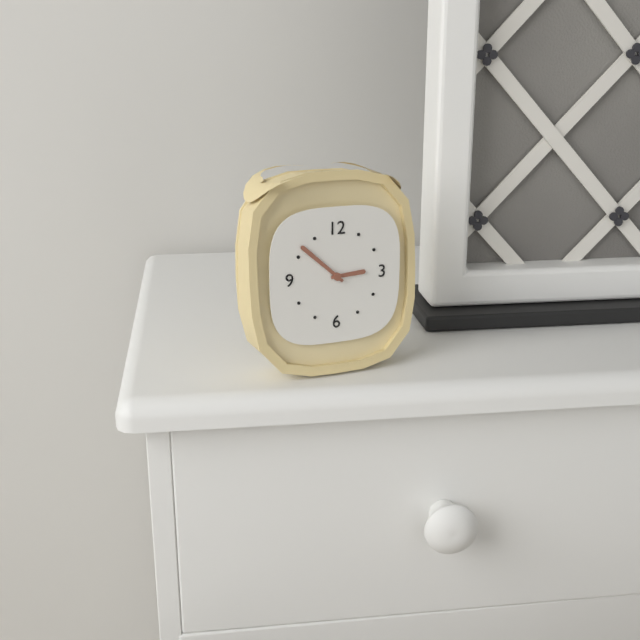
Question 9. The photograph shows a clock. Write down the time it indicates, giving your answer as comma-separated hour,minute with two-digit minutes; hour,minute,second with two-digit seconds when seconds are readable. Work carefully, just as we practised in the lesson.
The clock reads 2,52
